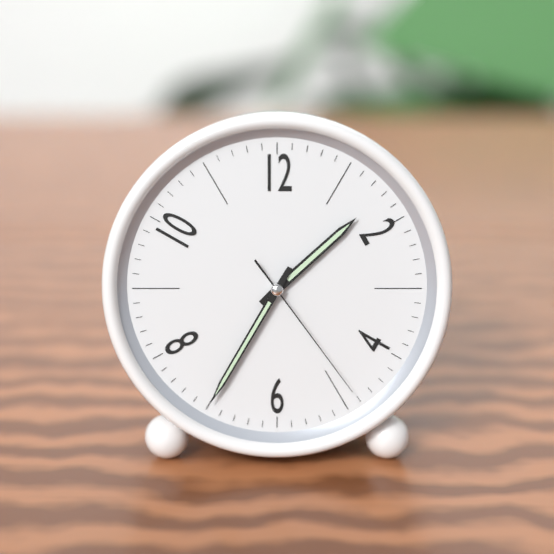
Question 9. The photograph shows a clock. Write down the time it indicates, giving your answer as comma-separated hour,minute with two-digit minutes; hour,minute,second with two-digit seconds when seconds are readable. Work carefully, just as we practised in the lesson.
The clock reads 1,35,24
